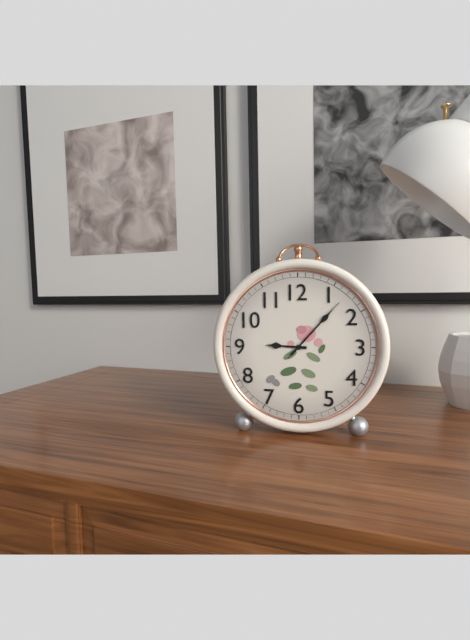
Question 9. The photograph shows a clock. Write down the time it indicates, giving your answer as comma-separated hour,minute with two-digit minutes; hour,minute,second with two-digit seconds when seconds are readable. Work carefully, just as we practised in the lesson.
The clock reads 9,07,07
